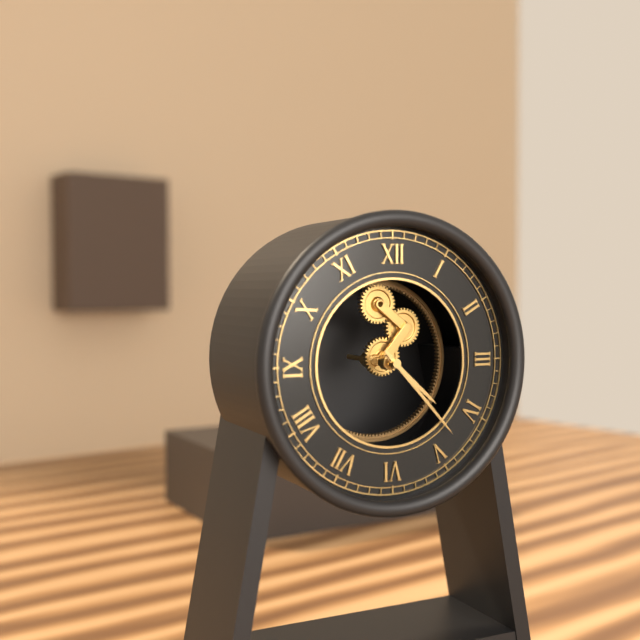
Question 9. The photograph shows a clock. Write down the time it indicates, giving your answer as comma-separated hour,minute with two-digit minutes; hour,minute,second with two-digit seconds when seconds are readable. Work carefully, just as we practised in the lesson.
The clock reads 4,23
